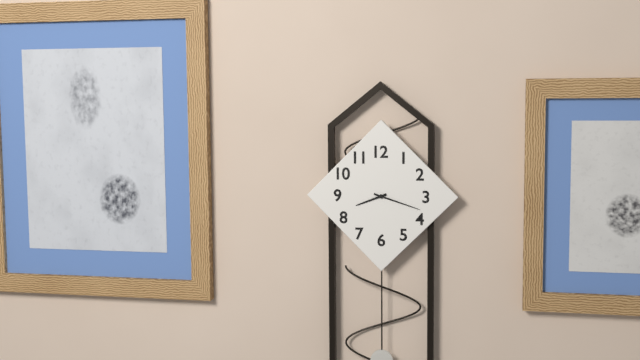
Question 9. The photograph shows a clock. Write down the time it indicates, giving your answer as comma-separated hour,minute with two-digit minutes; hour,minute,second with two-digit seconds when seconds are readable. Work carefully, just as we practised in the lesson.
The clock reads 8,18
